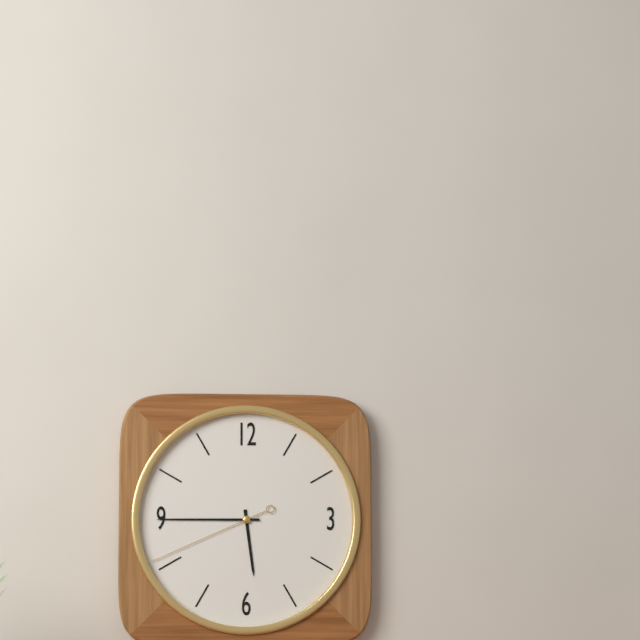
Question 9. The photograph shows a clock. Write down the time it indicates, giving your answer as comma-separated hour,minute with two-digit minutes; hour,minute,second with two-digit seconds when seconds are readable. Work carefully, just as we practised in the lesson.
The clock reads 5,45,41
